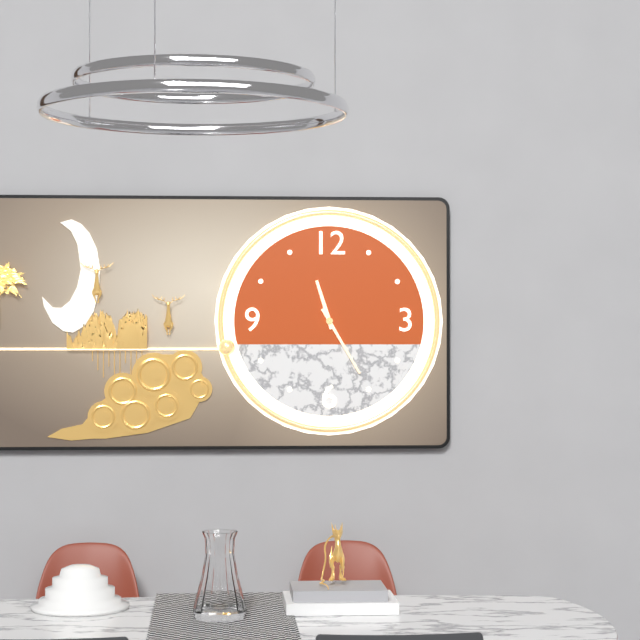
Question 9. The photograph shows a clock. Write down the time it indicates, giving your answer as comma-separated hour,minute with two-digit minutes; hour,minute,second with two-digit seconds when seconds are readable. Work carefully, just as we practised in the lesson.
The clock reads 11,25
